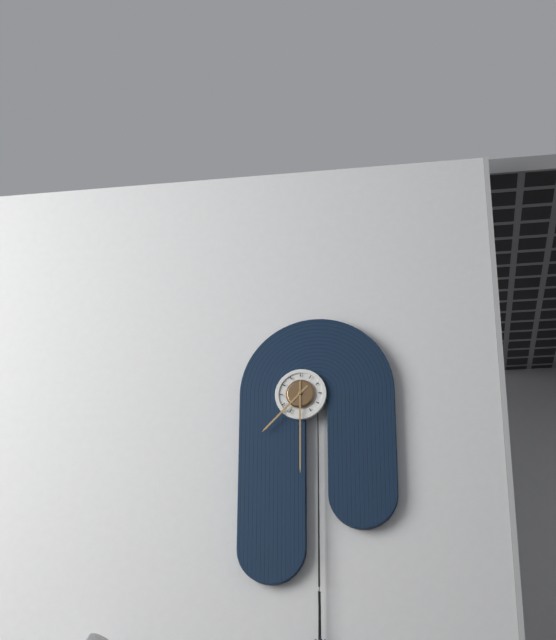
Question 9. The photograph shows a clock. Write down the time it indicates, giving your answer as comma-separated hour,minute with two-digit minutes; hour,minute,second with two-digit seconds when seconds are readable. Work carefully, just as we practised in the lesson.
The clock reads 7,30
